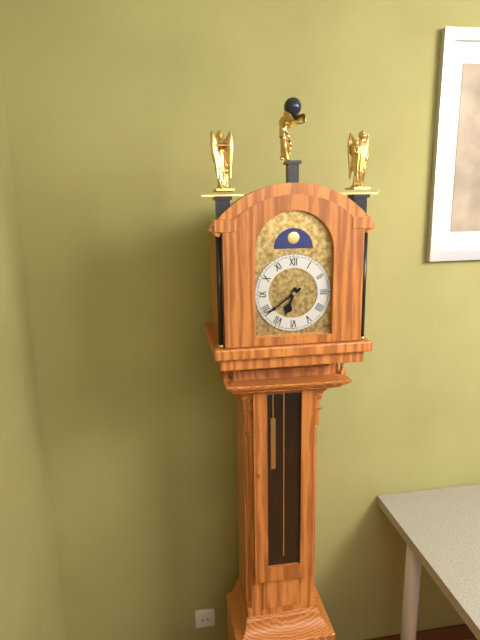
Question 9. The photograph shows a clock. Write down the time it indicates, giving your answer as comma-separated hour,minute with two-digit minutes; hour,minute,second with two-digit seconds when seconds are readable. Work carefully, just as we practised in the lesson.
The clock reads 6,39
